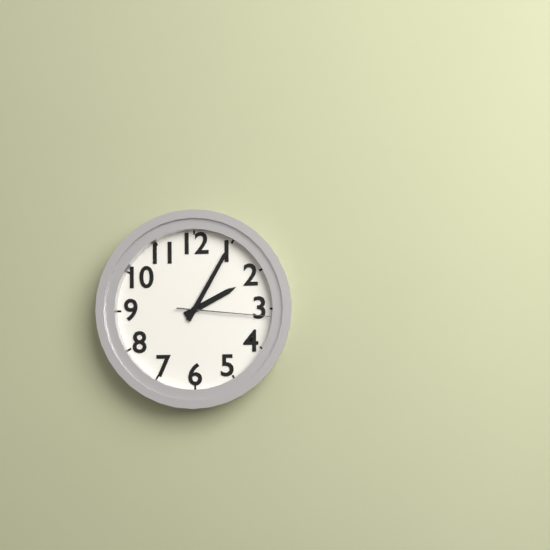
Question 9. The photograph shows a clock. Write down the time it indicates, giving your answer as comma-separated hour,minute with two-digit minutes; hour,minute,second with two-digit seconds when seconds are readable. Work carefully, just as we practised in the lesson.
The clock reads 2,05,16
